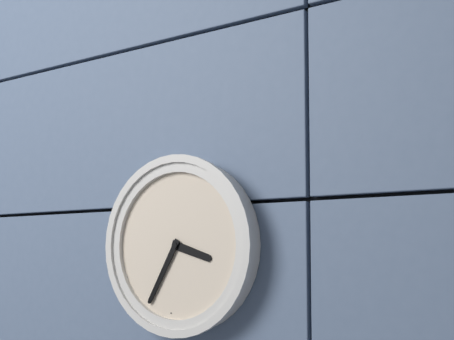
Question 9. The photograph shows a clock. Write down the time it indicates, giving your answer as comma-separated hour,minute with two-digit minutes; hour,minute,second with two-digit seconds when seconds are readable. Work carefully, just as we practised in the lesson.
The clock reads 3,35
